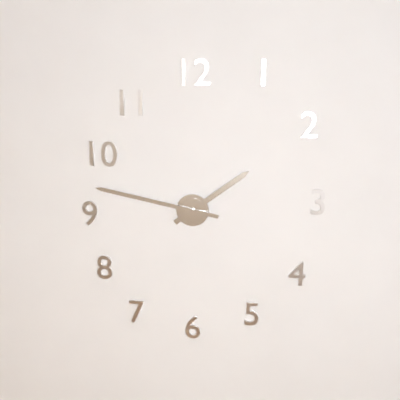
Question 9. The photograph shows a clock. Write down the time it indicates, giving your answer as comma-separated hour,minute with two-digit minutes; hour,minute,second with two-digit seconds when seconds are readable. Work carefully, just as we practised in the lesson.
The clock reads 1,47
